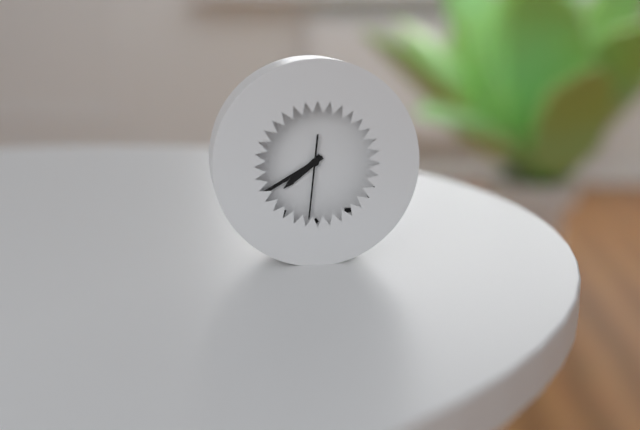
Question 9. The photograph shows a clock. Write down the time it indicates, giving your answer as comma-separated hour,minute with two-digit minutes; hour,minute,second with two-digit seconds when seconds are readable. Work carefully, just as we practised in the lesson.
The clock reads 7,40,31
